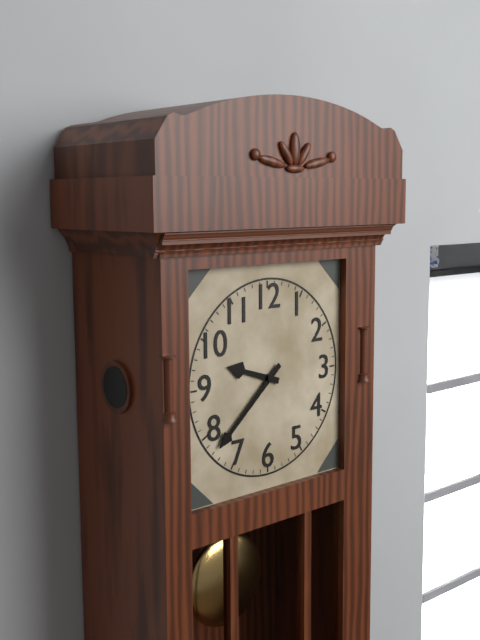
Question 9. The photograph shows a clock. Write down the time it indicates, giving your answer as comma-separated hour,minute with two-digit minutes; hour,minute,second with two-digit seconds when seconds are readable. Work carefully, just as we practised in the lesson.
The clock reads 9,38
